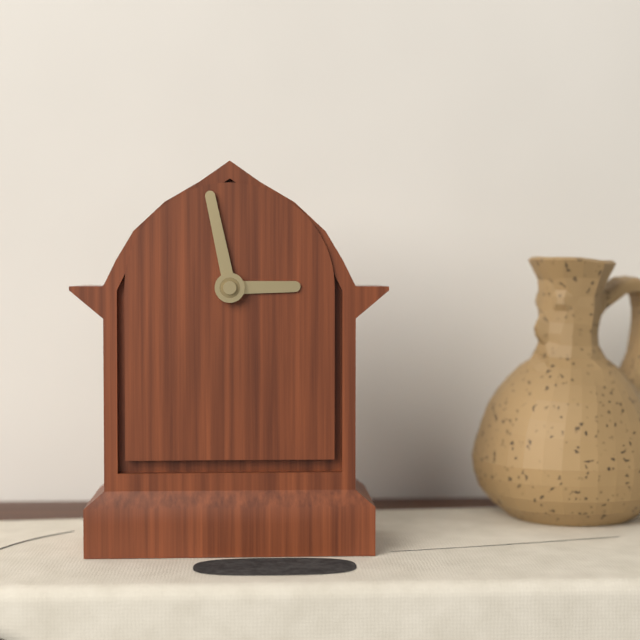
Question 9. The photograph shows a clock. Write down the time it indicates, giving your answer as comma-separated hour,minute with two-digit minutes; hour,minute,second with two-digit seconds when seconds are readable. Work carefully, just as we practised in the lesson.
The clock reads 2,58
